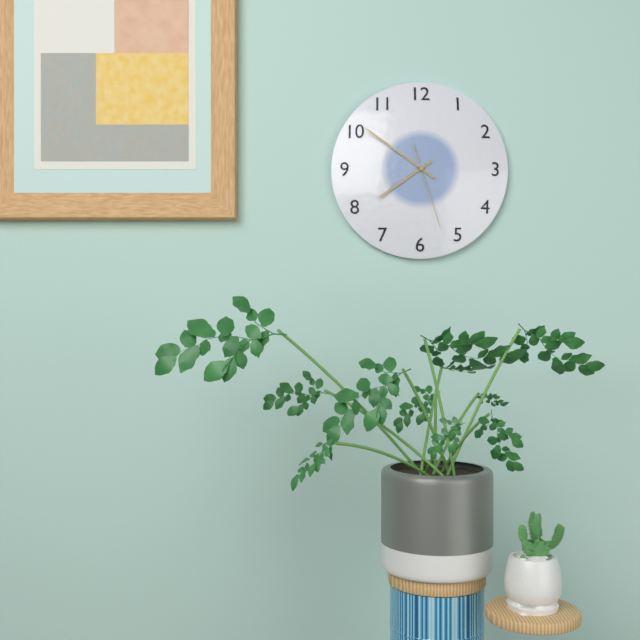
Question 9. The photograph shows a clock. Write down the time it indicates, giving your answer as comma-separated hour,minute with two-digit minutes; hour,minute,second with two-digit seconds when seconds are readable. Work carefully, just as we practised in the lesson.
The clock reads 7,51,27
